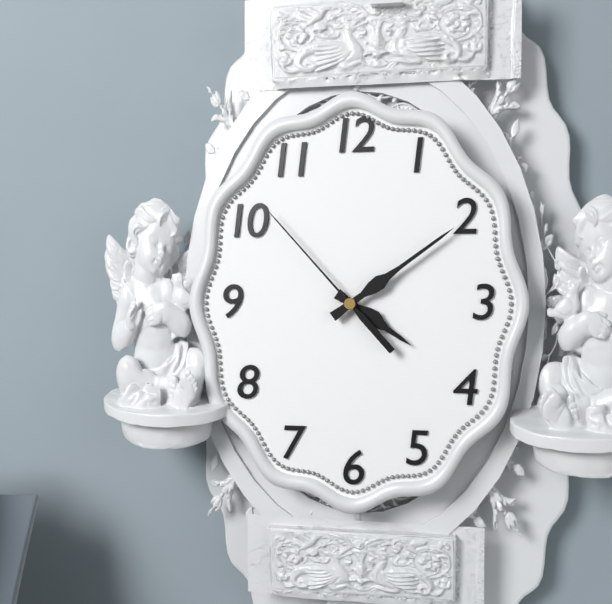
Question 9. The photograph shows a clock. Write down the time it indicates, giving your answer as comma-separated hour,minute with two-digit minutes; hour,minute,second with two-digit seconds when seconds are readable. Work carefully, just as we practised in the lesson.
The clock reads 4,09,53
